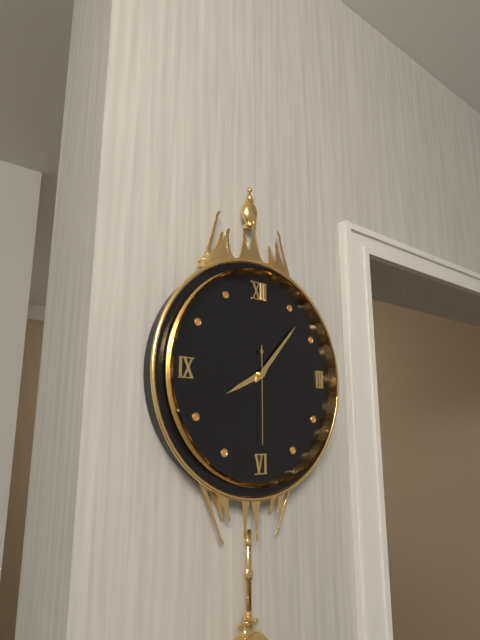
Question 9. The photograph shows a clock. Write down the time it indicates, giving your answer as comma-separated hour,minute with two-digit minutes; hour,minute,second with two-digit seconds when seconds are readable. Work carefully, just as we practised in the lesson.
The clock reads 8,07,30
